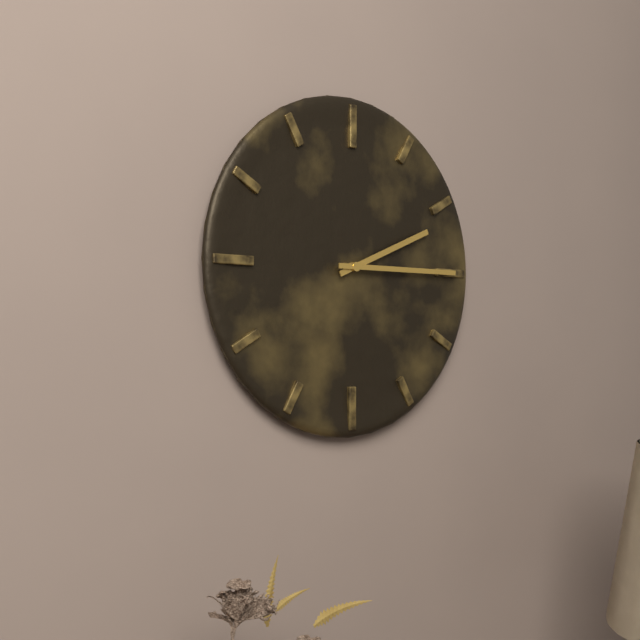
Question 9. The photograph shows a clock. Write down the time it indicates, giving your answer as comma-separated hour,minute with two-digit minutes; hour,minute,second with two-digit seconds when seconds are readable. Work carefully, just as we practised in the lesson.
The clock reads 2,15
